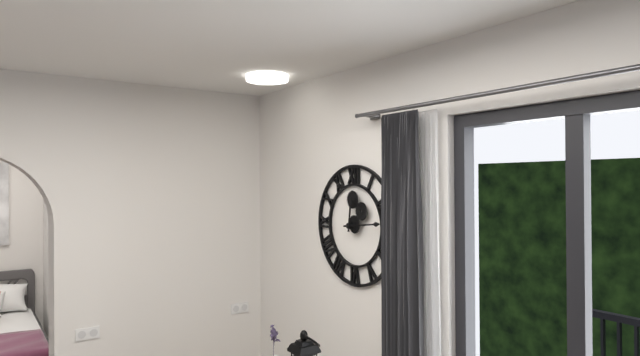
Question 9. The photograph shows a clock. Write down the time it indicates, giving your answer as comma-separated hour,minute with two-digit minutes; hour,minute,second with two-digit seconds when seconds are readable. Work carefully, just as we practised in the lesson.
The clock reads 12,14
